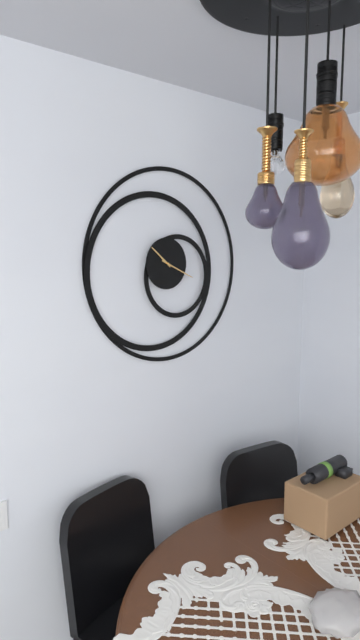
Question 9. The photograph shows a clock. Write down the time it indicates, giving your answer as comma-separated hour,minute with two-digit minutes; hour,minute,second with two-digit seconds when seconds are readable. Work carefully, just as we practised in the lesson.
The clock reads 10,19
